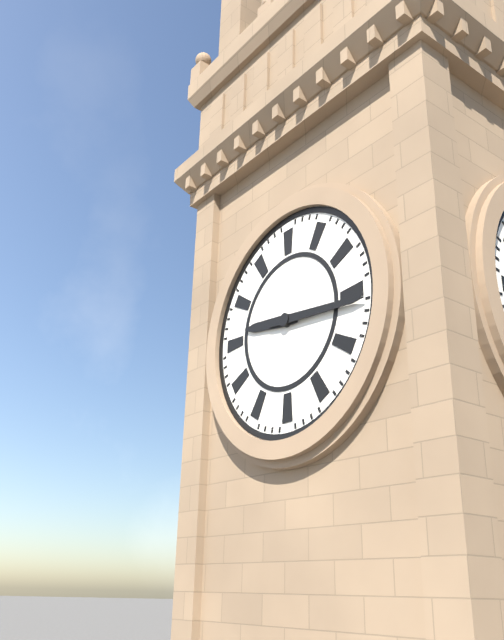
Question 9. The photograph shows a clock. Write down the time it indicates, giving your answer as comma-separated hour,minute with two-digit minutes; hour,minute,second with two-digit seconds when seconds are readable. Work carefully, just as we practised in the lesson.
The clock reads 9,16
